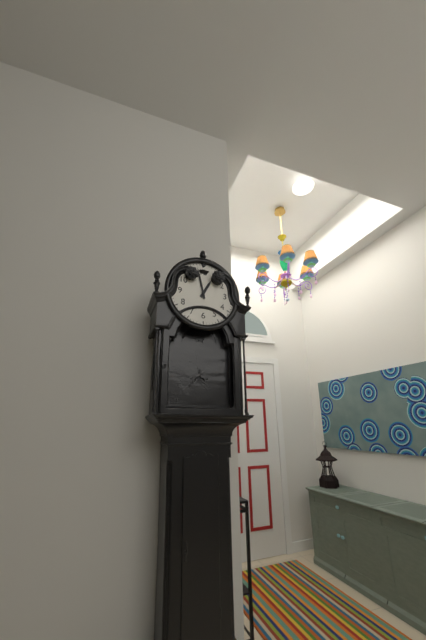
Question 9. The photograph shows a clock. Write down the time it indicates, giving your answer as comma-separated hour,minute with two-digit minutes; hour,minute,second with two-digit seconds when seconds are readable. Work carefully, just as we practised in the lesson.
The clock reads 12,58
